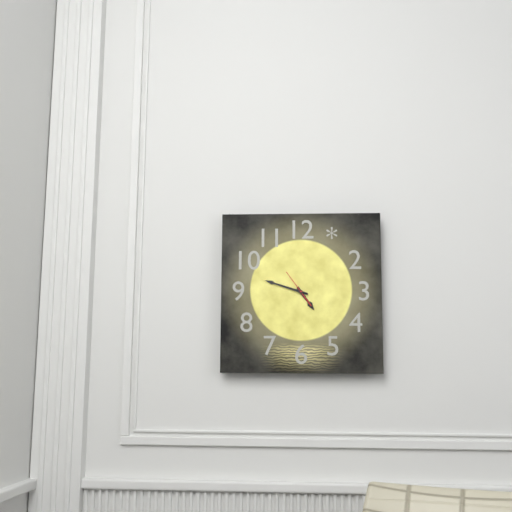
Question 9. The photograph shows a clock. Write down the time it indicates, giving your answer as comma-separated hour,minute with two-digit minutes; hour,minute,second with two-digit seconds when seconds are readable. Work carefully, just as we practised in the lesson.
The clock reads 4,48
